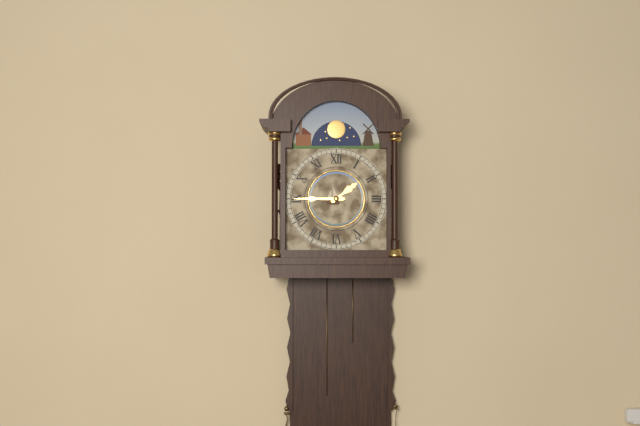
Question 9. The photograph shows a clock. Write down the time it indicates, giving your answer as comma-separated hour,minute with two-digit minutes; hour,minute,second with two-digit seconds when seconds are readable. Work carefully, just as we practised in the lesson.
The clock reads 1,45
